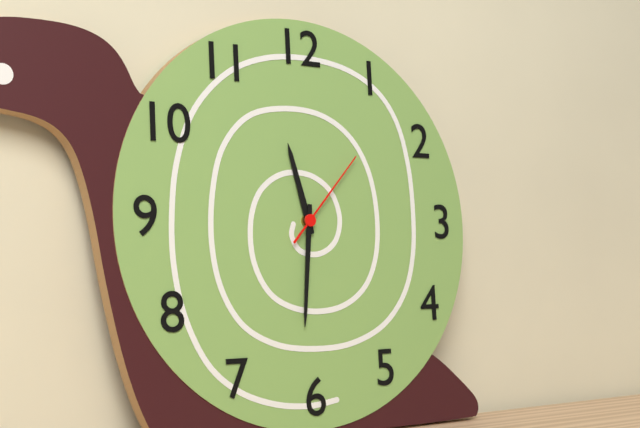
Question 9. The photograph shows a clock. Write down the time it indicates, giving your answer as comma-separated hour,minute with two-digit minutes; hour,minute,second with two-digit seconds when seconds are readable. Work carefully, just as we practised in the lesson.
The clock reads 11,31,07
